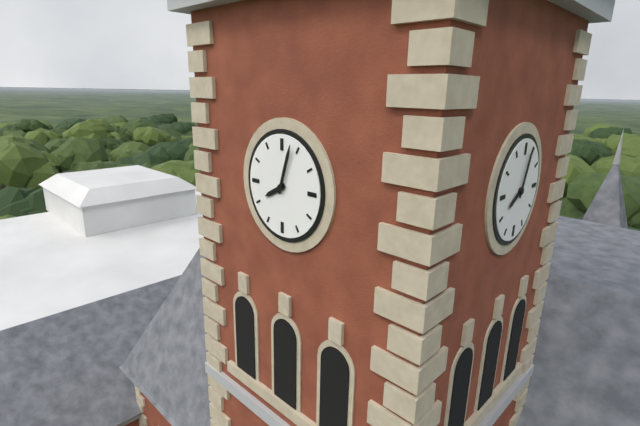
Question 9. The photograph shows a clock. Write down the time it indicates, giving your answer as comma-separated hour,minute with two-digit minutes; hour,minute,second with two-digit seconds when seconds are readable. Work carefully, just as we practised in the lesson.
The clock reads 8,03
